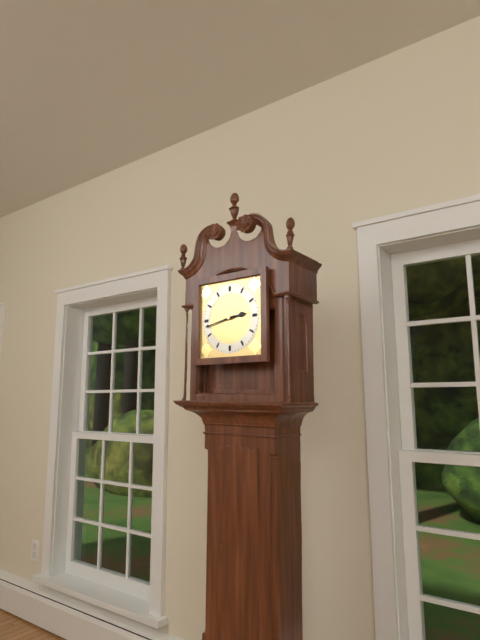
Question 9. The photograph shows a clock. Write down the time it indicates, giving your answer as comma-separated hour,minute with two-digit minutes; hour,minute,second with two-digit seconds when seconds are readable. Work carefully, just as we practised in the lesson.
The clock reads 2,43
